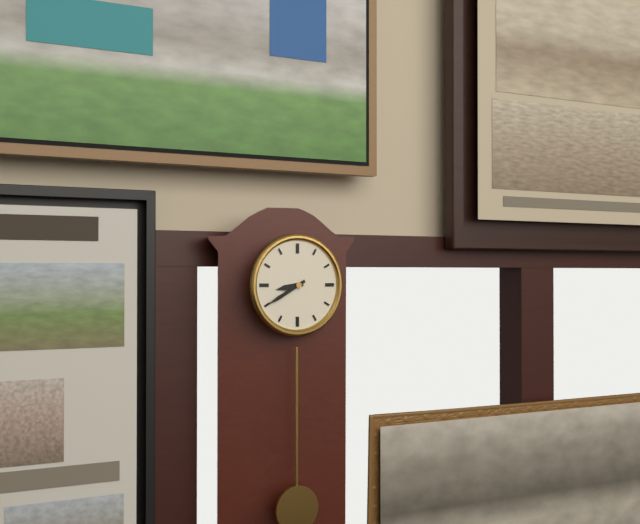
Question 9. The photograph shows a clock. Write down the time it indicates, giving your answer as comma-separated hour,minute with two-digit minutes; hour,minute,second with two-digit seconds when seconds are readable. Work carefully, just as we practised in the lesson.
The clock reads 8,40
